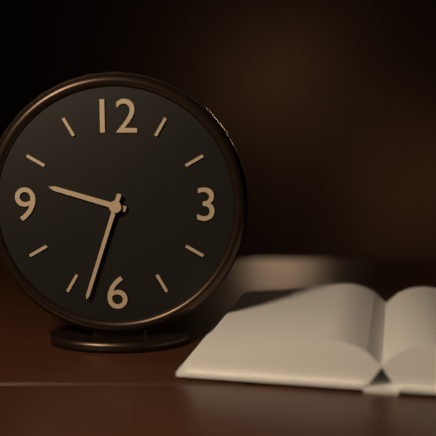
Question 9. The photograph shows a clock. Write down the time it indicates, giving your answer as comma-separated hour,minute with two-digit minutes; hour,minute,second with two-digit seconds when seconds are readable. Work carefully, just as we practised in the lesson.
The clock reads 9,33
